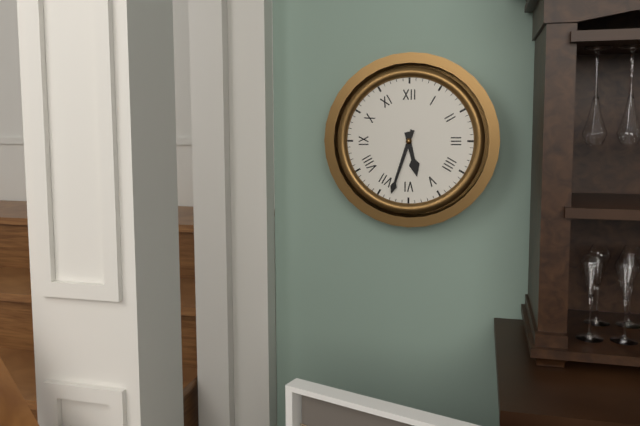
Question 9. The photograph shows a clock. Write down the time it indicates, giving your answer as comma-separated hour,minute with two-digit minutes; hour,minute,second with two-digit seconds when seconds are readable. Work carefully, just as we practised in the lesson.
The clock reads 5,33
